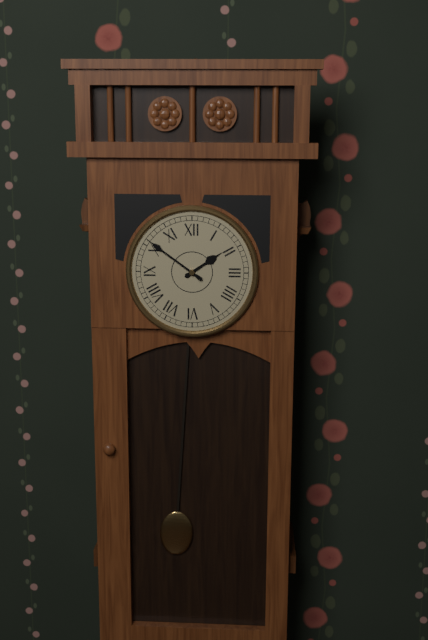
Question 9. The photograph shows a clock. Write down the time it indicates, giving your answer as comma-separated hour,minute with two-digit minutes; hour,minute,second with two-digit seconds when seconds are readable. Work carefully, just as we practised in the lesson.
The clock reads 1,51
